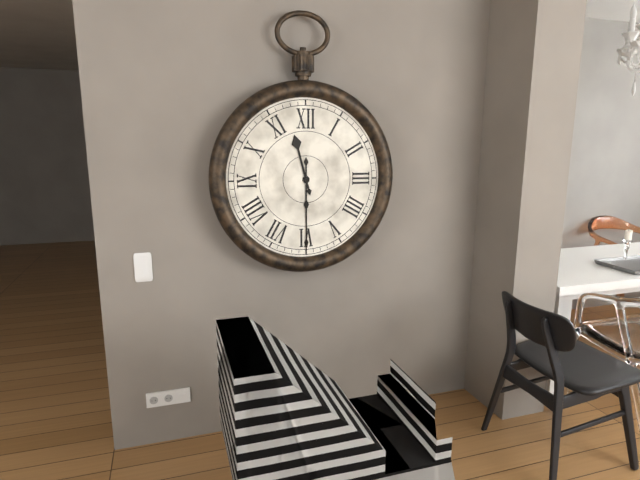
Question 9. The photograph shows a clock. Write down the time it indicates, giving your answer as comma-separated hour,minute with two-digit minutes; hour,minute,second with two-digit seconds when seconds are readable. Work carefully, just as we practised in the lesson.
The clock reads 11,30
